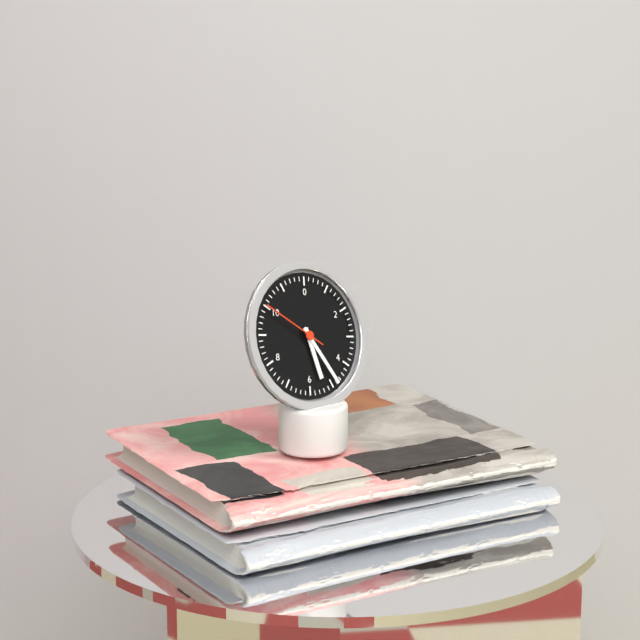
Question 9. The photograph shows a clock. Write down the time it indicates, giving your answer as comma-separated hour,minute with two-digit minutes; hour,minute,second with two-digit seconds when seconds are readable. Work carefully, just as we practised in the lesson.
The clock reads 5,24,50
